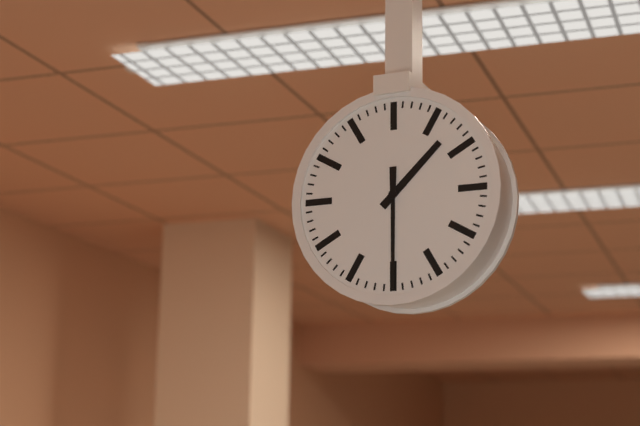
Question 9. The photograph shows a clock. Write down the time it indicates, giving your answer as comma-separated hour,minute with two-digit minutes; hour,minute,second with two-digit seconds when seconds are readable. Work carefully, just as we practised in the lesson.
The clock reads 1,30
